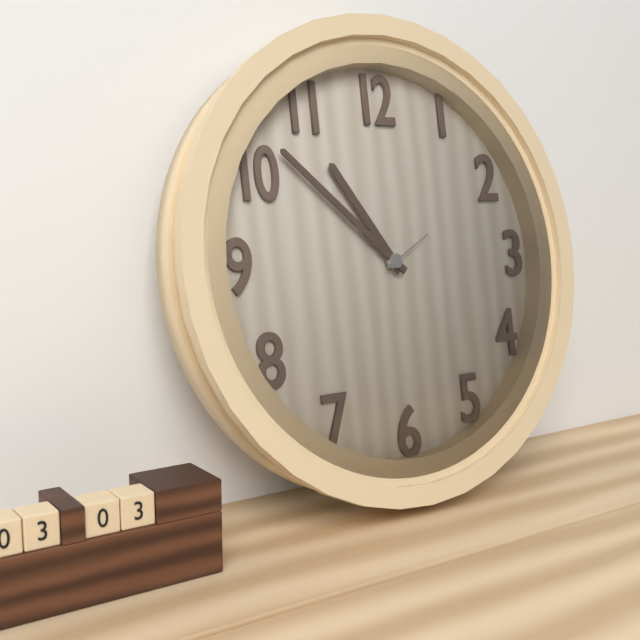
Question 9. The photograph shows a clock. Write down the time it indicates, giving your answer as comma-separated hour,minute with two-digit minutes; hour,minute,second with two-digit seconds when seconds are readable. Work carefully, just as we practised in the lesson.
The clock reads 10,52,10
